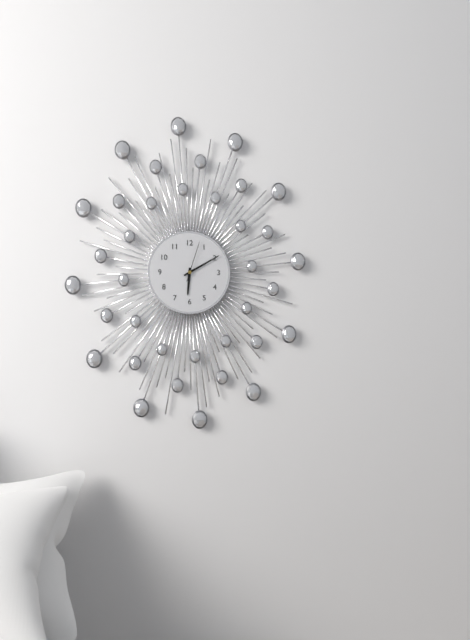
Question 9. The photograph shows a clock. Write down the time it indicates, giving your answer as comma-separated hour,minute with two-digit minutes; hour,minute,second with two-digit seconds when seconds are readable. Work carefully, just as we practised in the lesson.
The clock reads 6,10
